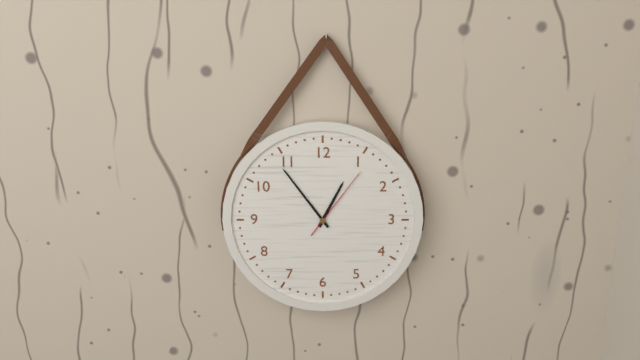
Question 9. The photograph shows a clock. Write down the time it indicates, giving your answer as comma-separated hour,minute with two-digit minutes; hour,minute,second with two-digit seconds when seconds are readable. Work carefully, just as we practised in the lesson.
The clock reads 12,54,06
